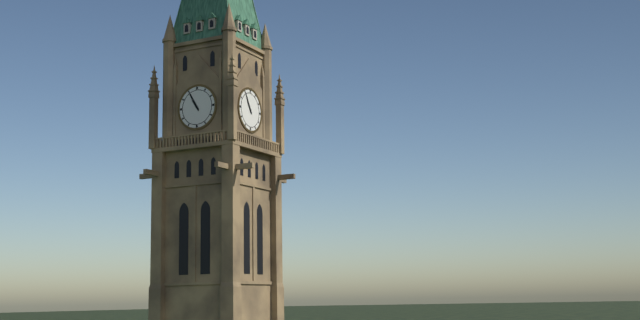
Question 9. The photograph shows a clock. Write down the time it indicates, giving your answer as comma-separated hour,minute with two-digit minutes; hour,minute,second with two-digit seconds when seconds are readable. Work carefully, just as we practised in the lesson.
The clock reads 10,55
